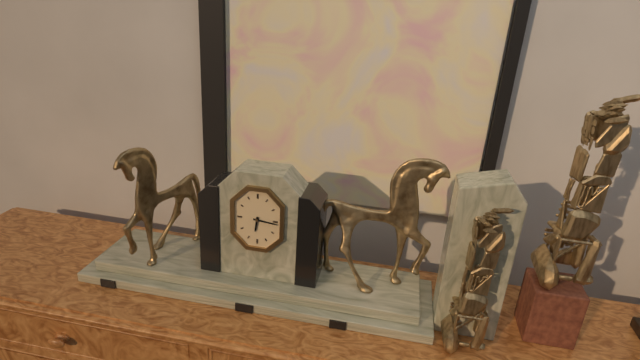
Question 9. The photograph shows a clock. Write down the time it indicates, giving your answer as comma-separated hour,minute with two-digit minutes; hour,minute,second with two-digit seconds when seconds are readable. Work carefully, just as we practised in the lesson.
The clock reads 6,16
